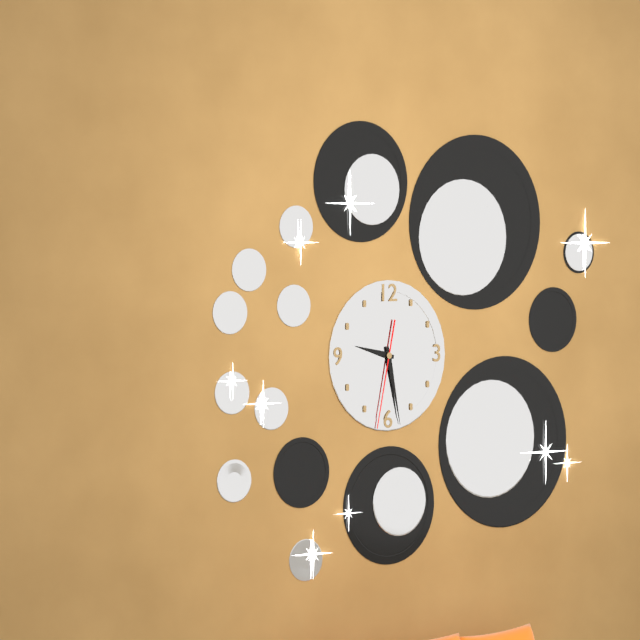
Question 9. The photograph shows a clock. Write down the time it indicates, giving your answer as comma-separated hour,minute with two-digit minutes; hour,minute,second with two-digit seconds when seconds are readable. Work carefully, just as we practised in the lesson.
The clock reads 9,28,32
